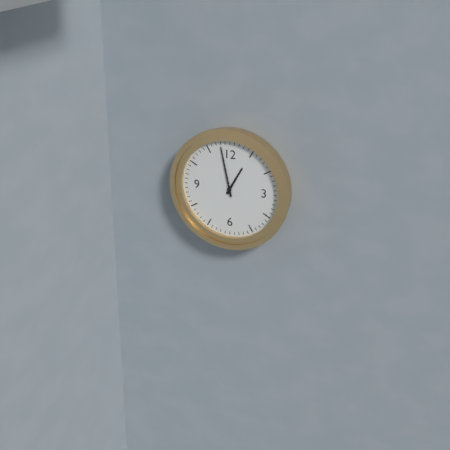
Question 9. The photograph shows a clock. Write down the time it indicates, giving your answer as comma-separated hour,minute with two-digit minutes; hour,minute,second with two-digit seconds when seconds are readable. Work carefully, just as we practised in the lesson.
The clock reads 12,58
